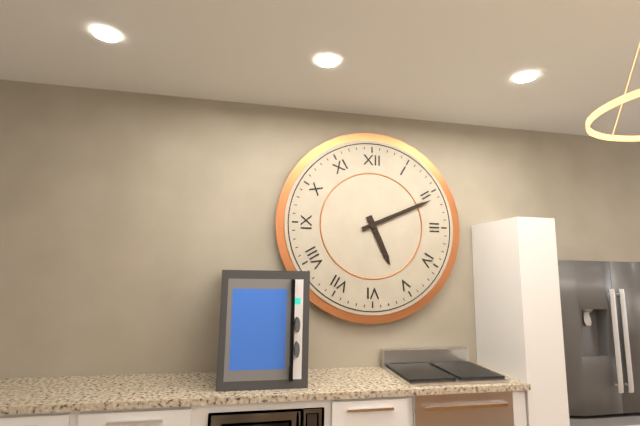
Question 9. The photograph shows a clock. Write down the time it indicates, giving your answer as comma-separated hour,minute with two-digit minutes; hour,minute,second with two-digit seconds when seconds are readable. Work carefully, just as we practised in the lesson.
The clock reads 5,11
